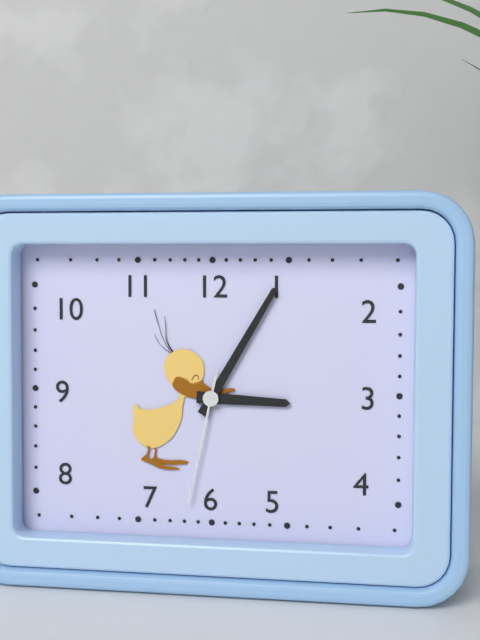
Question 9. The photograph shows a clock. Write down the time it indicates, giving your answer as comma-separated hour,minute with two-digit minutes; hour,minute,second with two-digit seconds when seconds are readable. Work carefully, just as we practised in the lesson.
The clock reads 3,05,32
